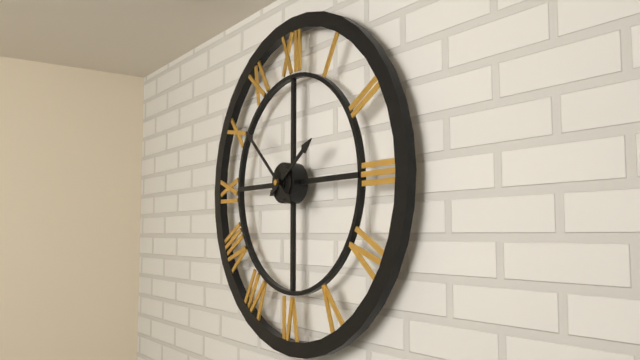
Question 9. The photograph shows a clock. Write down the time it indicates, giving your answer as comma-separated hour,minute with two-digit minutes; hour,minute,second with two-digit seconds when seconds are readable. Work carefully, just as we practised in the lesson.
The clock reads 1,52
